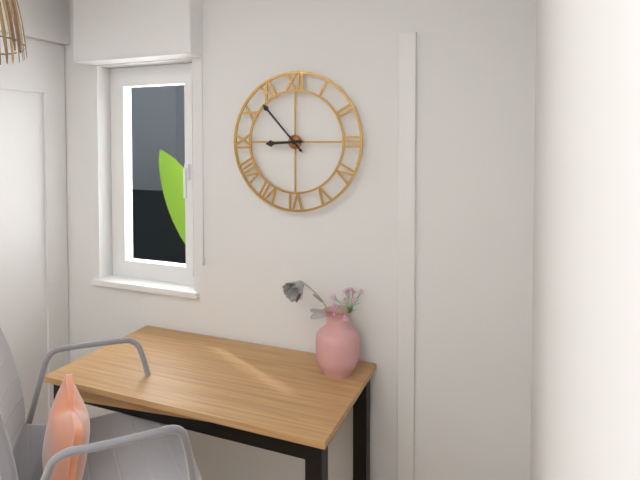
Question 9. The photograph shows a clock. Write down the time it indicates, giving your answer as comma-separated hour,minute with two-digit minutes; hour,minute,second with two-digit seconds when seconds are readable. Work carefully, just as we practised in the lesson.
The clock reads 8,53
